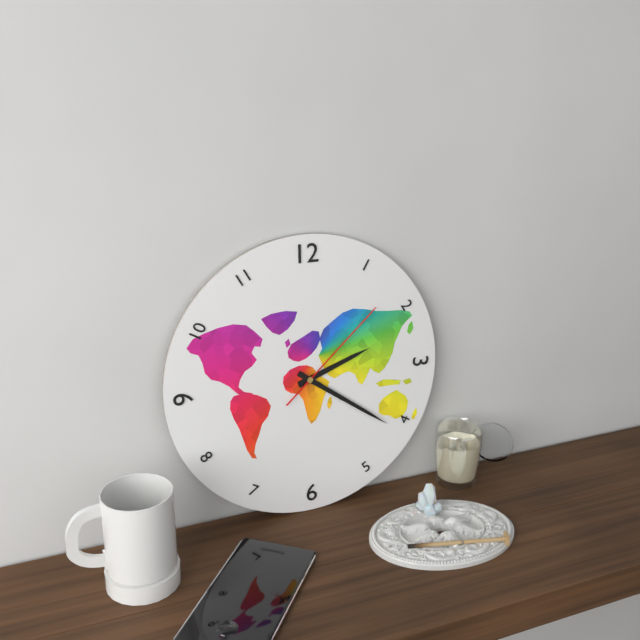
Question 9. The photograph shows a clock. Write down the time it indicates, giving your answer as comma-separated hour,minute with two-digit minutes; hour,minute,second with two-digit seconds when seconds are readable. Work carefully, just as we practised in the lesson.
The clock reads 2,21,08
